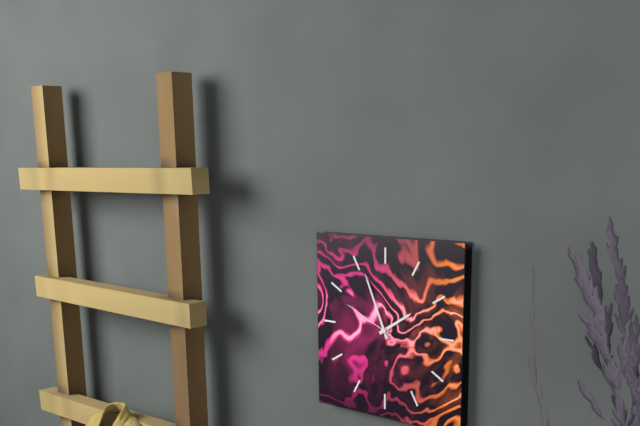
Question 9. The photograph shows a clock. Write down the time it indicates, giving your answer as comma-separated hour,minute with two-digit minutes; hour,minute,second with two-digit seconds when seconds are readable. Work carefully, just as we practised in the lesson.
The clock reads 1,56,49
